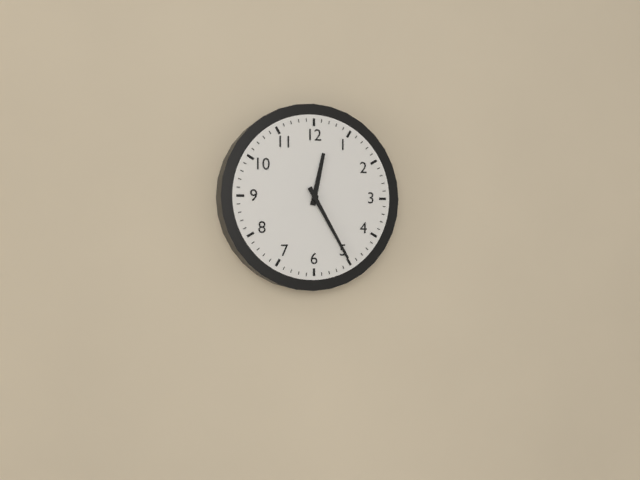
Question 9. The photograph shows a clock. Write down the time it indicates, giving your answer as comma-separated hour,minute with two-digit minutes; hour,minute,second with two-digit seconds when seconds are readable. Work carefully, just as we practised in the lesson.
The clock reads 12,25
